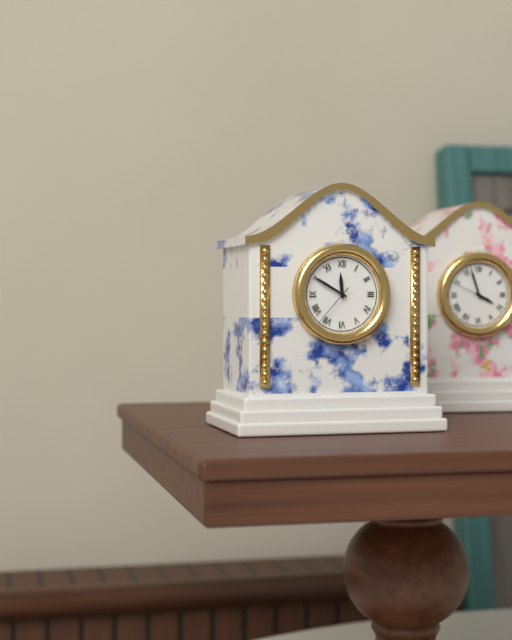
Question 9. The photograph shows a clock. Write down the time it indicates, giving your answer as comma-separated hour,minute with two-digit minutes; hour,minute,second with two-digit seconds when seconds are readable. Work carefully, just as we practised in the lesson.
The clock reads 11,50
